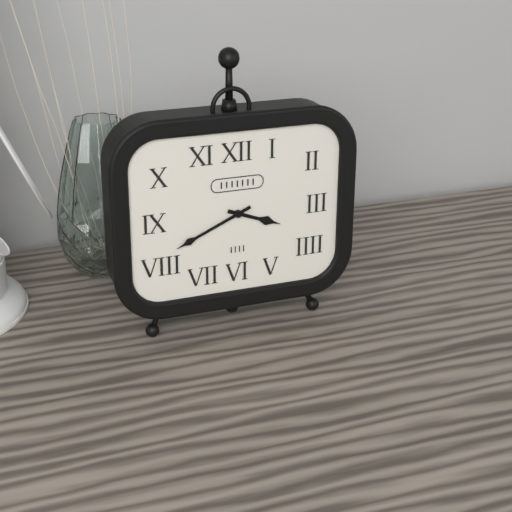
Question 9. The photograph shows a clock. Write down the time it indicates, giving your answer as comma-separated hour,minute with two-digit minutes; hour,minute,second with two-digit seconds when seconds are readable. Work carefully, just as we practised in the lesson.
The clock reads 3,41
